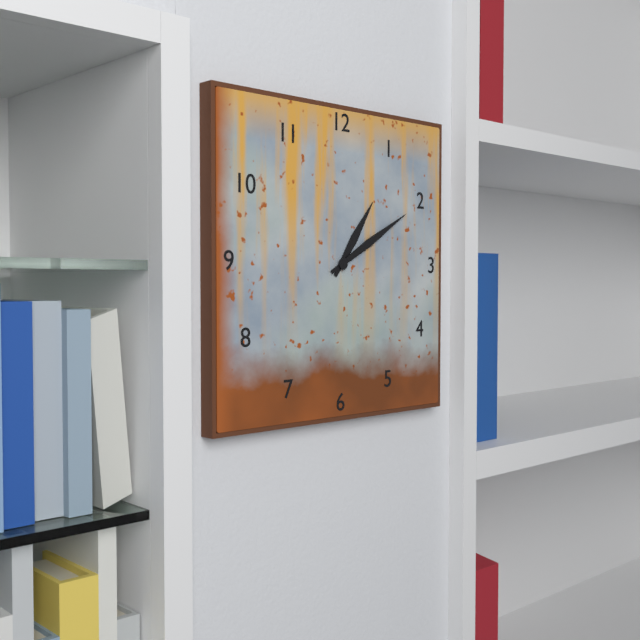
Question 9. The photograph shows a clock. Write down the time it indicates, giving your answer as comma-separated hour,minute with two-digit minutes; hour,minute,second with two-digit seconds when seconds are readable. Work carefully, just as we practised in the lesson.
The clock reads 1,10
